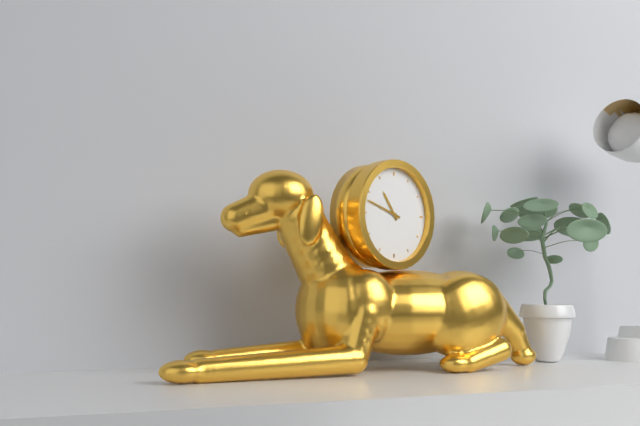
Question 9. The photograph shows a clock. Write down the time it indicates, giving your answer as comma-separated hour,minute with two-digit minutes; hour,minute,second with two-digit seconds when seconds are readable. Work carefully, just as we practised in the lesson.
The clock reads 10,48
